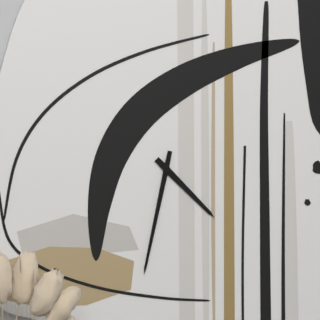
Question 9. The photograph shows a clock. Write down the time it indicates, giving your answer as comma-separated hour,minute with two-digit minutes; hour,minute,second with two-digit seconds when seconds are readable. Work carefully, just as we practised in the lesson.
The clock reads 4,32
